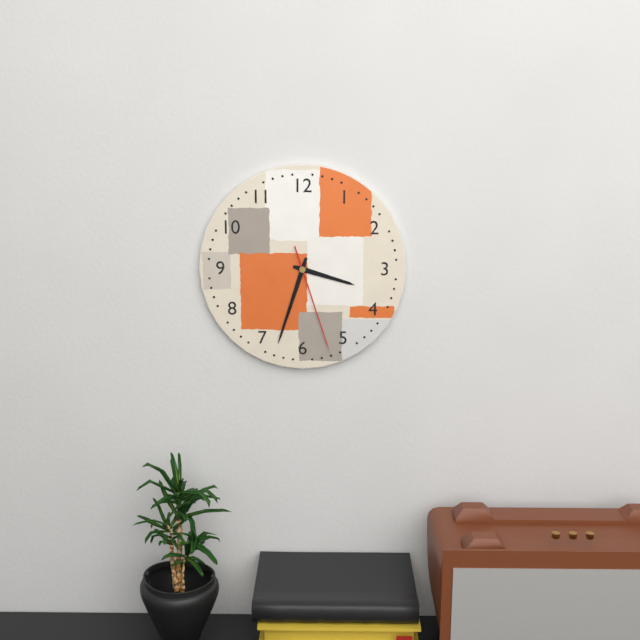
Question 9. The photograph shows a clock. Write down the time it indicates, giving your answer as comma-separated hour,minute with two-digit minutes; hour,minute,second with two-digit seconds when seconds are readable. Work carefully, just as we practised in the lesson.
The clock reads 3,33,27
